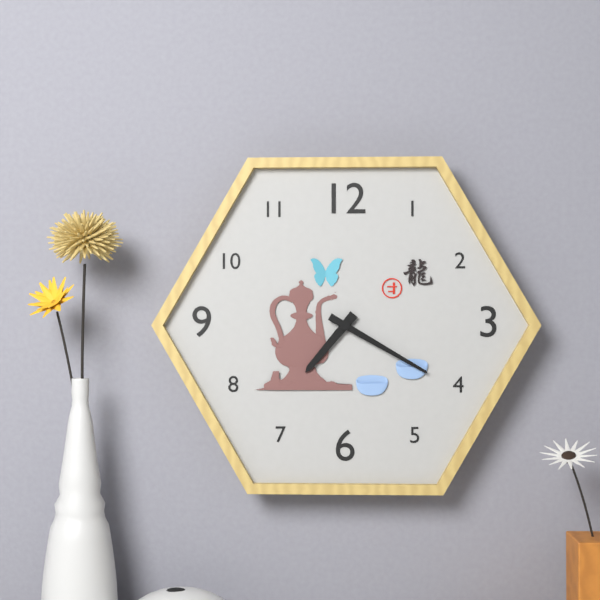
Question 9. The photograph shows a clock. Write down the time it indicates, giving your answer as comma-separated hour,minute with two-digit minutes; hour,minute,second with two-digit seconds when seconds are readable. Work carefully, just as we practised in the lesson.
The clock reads 7,20
